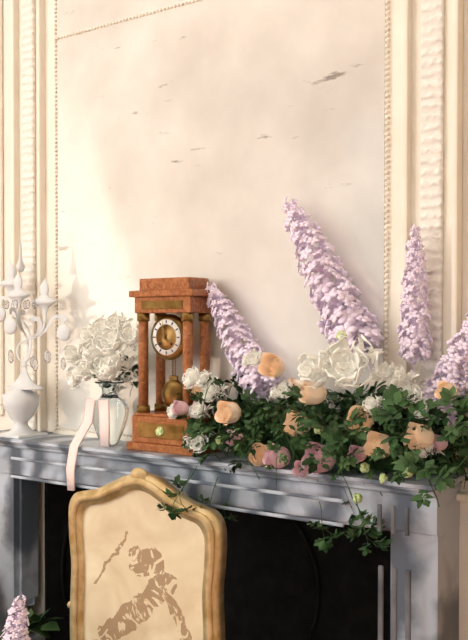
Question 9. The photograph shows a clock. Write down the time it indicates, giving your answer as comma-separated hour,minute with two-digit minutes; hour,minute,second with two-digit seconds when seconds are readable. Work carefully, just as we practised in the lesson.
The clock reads 10,58
